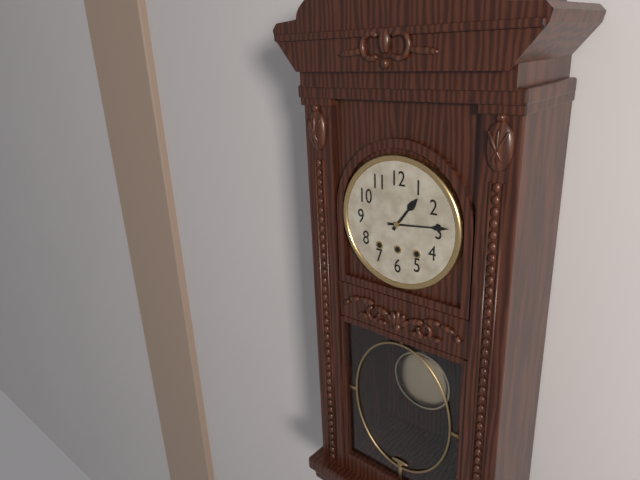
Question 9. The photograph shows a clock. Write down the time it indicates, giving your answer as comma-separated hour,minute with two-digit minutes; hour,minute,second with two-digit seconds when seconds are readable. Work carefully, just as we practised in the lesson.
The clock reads 1,14
